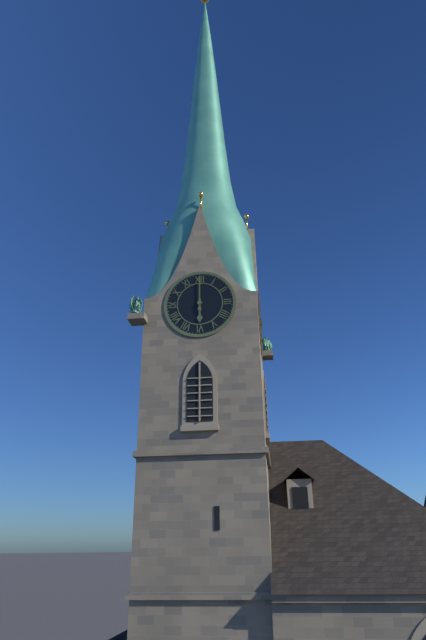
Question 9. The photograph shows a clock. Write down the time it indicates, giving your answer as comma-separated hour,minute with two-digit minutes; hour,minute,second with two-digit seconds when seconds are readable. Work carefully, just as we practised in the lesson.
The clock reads 6,00
